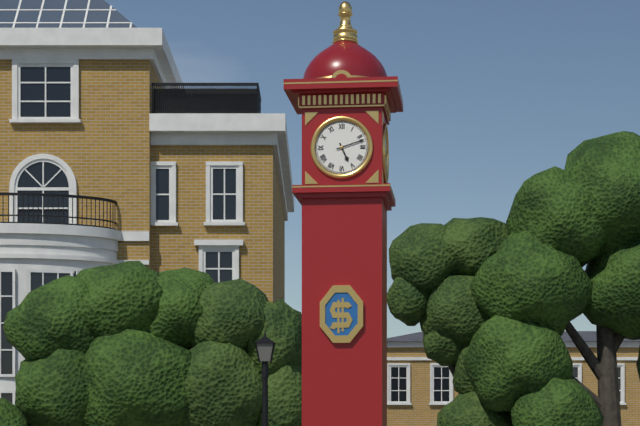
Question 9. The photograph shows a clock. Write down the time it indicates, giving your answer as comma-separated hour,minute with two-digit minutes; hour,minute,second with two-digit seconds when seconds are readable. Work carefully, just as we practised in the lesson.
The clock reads 5,12
